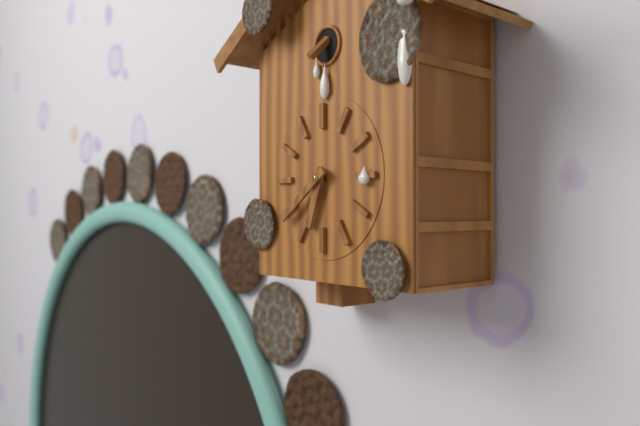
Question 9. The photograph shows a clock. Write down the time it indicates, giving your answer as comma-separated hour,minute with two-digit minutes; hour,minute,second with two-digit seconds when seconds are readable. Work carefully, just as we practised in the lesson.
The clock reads 6,39
